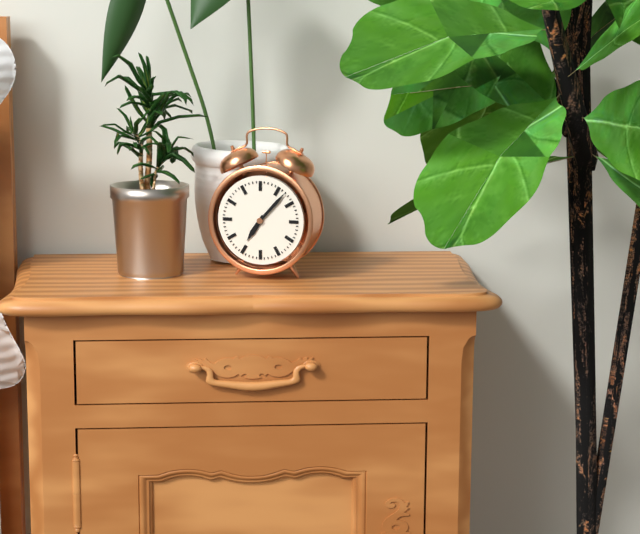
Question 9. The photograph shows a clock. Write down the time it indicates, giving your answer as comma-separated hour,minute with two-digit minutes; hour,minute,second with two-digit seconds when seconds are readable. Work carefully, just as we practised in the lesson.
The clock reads 7,07
